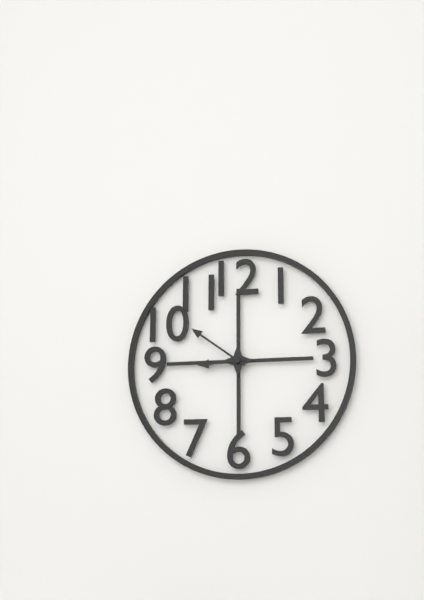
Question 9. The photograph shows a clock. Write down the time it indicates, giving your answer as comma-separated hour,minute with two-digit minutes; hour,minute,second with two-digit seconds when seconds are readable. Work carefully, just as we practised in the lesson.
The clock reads 8,51
